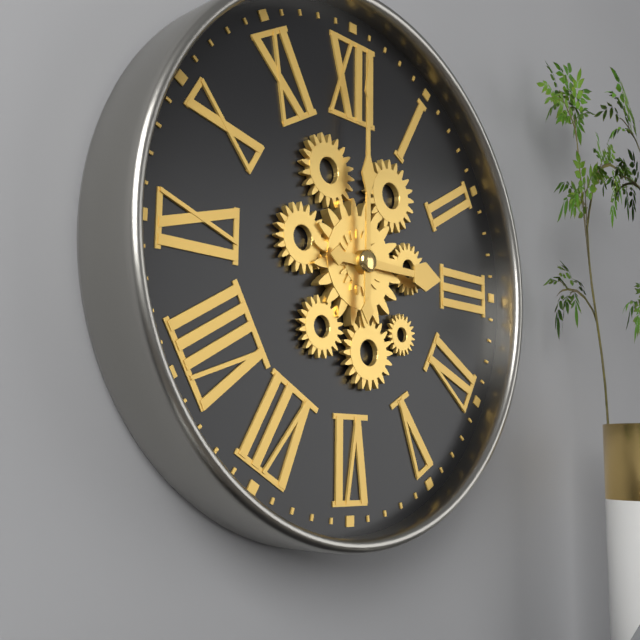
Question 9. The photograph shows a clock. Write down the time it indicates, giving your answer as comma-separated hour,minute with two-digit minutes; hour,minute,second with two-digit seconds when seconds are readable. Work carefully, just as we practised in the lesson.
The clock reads 3,00
